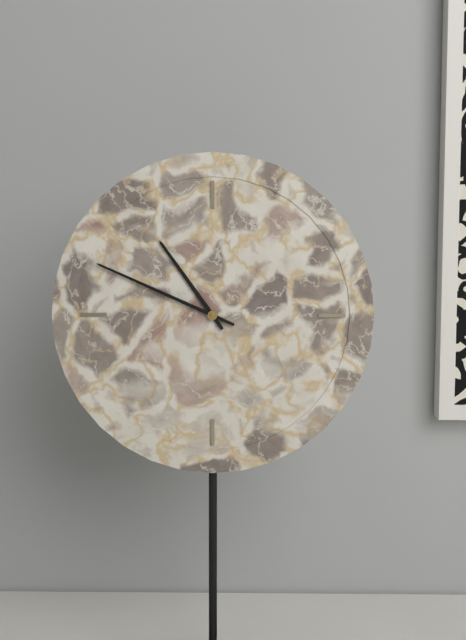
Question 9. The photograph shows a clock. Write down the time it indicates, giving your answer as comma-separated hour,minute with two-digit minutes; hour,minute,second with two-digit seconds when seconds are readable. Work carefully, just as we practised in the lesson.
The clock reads 10,49
